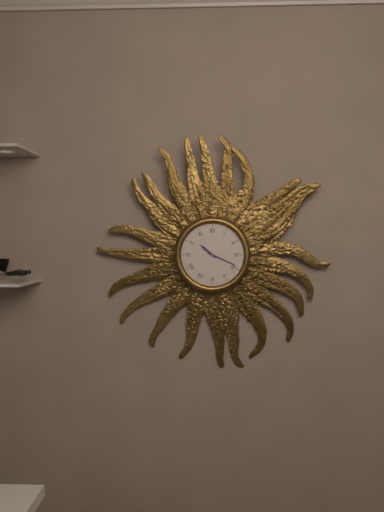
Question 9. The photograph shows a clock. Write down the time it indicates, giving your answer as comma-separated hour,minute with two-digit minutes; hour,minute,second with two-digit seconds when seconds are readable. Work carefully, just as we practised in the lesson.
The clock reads 10,19
